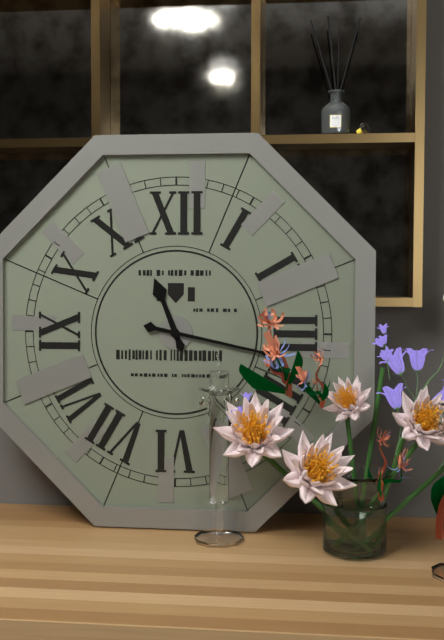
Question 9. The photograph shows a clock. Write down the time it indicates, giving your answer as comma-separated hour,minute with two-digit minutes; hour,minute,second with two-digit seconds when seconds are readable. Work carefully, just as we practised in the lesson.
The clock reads 11,17
